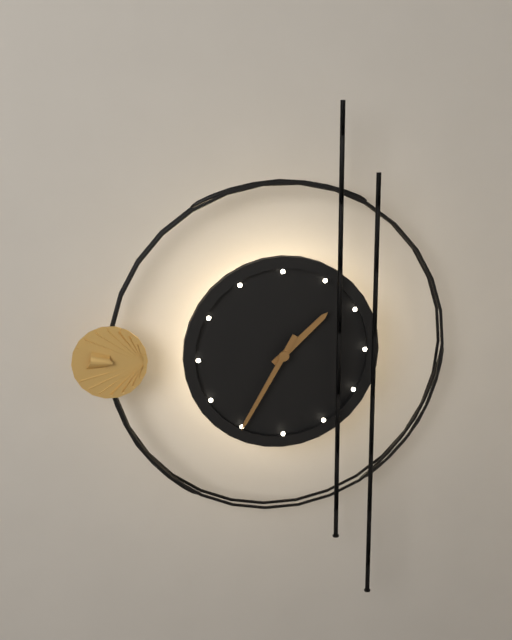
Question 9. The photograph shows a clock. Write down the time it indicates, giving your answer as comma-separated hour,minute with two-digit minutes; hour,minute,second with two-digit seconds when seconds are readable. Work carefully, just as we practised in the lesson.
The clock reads 1,35
